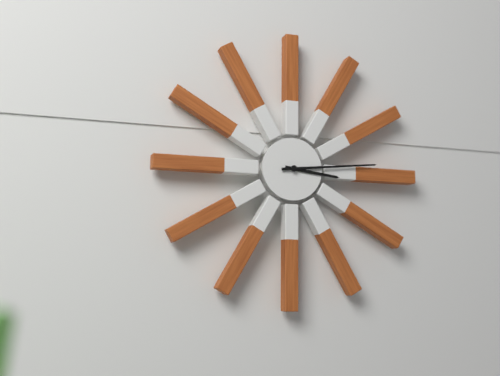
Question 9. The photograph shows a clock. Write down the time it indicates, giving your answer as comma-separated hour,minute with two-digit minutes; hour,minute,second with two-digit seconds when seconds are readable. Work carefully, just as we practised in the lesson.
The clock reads 3,14
